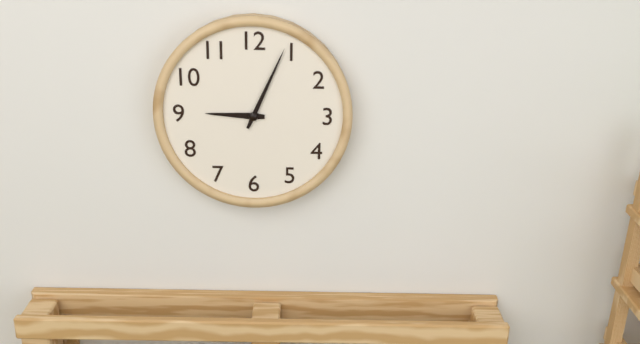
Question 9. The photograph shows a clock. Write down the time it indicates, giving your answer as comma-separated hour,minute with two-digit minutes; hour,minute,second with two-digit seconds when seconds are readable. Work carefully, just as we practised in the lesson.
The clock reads 9,04
